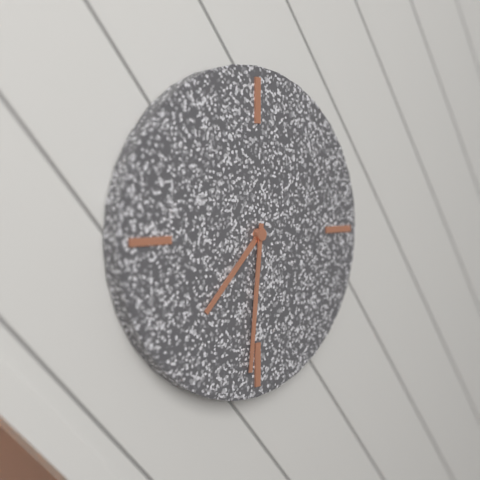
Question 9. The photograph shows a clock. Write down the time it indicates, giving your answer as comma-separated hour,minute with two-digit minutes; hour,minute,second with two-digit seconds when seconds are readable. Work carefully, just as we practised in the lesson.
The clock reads 7,31
